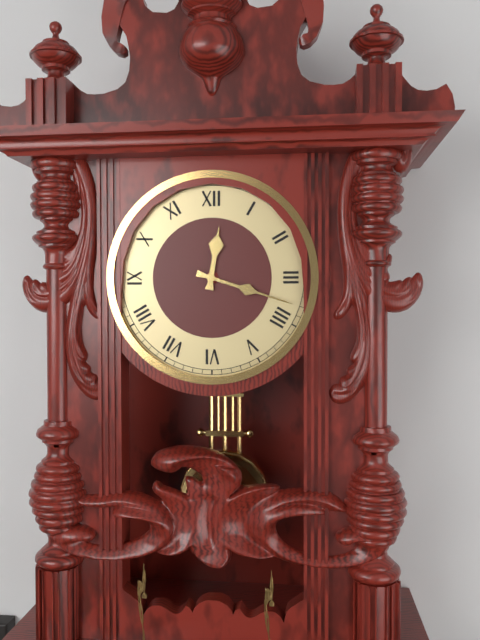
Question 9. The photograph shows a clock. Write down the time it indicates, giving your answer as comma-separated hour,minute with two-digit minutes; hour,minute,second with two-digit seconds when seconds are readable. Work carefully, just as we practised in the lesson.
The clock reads 12,18
